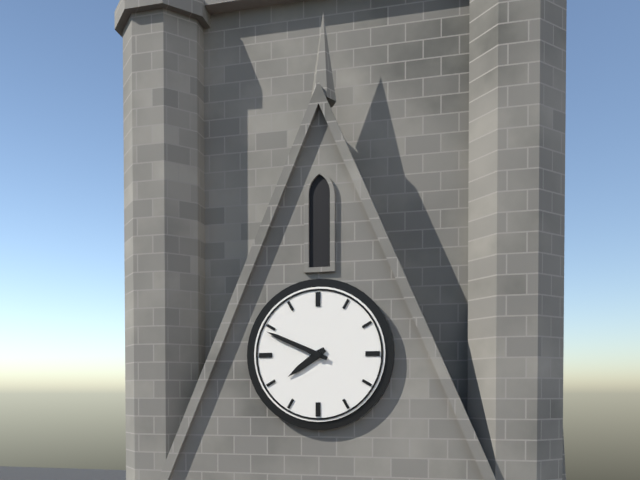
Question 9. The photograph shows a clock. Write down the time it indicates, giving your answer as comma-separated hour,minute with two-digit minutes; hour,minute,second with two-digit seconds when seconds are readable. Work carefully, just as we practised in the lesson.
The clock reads 7,49
